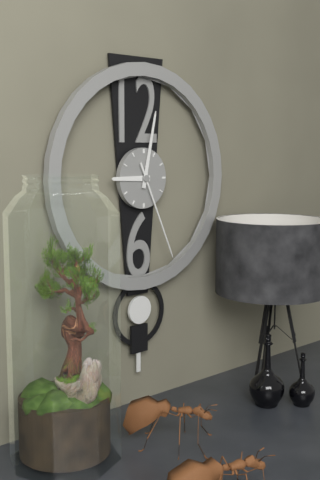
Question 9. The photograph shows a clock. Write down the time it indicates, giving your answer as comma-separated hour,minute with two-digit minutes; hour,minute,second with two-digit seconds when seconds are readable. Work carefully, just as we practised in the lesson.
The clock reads 9,02,26
